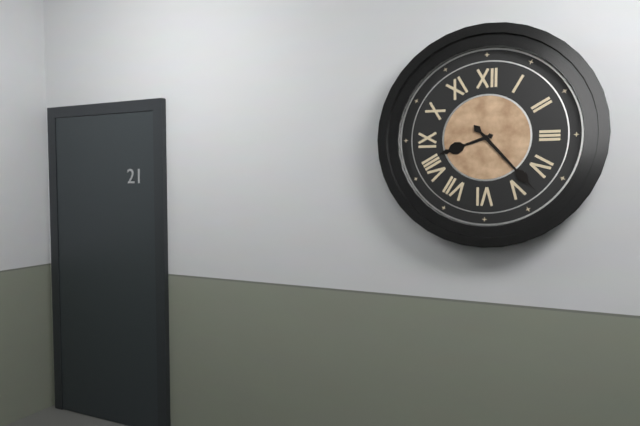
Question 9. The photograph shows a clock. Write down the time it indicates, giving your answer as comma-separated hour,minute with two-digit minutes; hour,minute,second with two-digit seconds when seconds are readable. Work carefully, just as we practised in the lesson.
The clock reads 8,23
